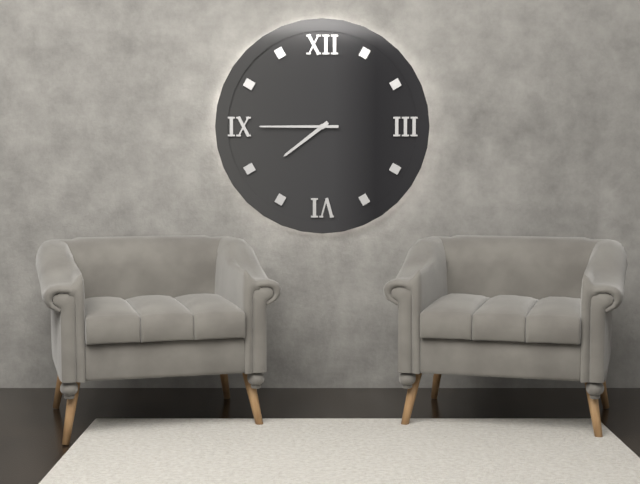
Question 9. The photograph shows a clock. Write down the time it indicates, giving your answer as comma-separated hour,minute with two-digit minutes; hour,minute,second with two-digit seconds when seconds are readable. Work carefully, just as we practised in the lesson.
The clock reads 7,45
